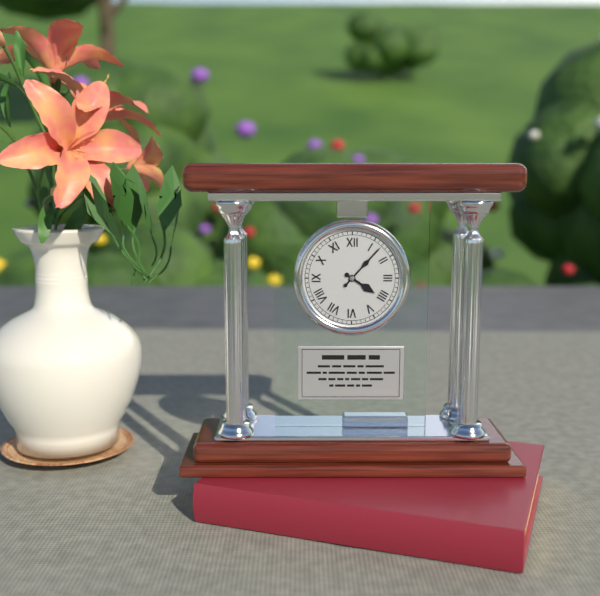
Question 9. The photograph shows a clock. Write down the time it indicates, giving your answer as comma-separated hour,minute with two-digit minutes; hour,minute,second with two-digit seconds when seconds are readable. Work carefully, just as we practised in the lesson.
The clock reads 4,07
